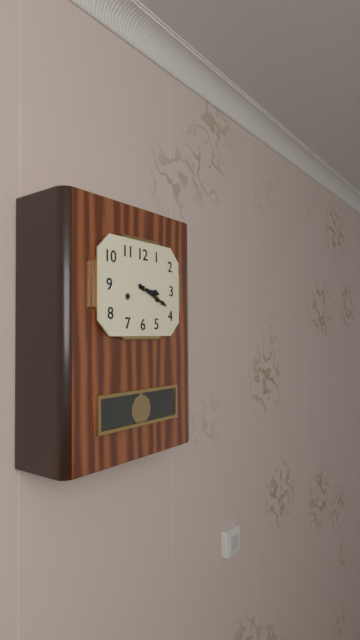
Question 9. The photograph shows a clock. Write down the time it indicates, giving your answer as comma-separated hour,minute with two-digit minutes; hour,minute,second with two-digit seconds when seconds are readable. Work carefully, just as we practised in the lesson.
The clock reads 3,19
